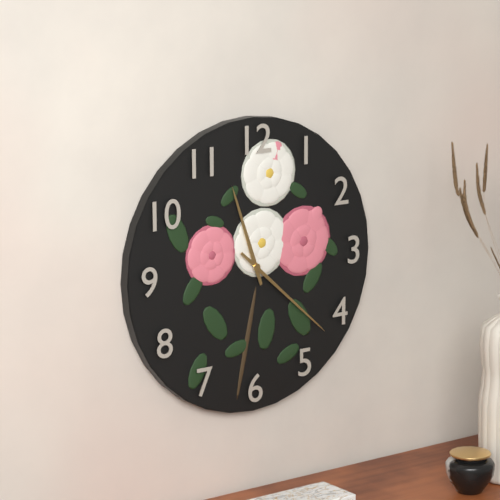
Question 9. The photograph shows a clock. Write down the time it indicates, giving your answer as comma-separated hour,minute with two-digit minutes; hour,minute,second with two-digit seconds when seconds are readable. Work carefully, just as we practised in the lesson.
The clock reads 11,22
